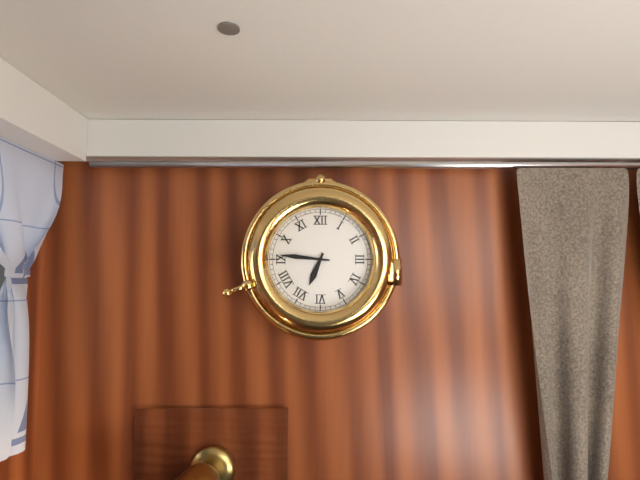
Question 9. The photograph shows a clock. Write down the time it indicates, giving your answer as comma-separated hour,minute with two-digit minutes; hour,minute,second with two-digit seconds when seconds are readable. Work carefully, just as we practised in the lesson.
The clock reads 6,46
